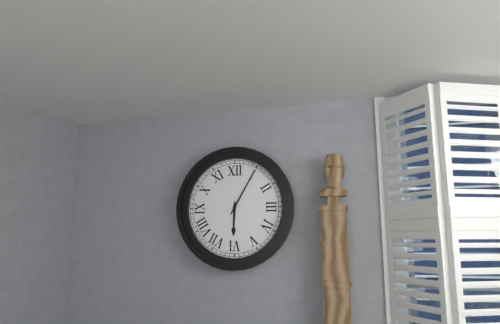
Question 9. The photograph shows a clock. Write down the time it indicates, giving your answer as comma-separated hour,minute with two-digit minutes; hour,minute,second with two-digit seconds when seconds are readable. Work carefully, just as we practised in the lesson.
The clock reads 6,05
